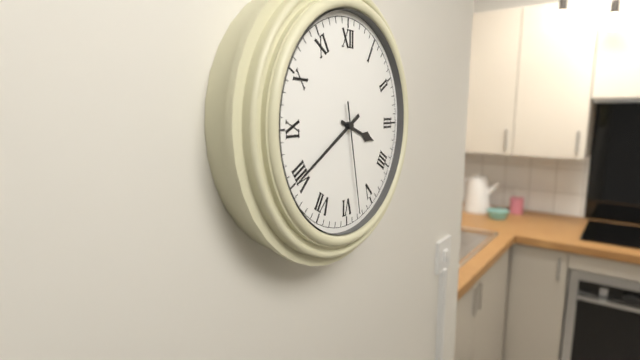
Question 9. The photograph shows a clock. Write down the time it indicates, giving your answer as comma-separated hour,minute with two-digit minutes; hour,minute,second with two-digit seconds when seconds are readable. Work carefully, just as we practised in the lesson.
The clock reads 3,40,28
